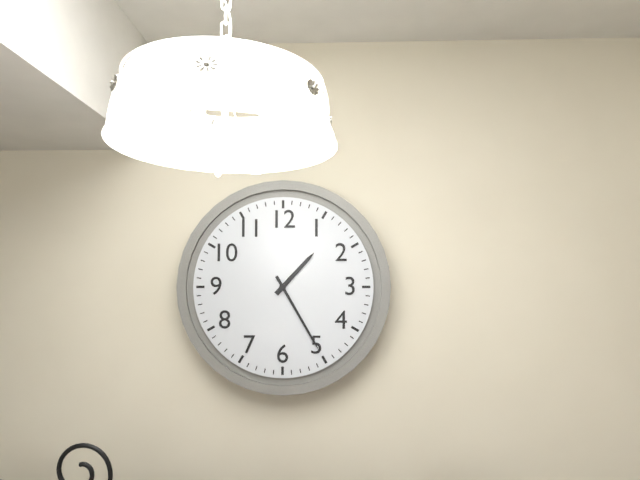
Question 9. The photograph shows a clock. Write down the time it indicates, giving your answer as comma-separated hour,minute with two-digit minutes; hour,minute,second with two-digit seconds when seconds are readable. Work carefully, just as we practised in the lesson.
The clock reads 1,25
